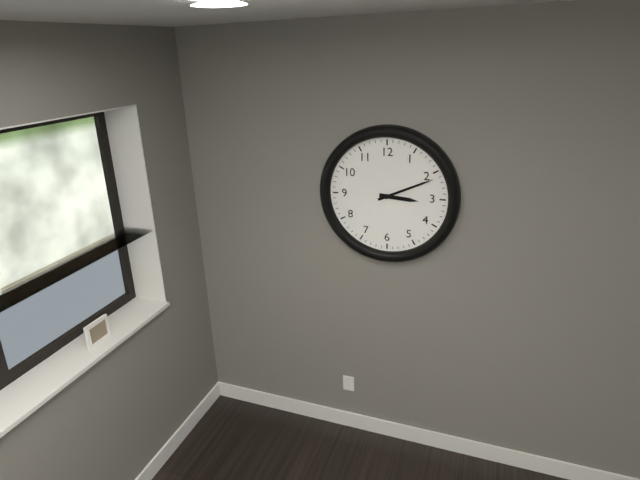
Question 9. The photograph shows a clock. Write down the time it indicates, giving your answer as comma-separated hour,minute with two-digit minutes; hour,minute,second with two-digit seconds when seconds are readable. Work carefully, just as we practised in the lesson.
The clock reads 3,11
